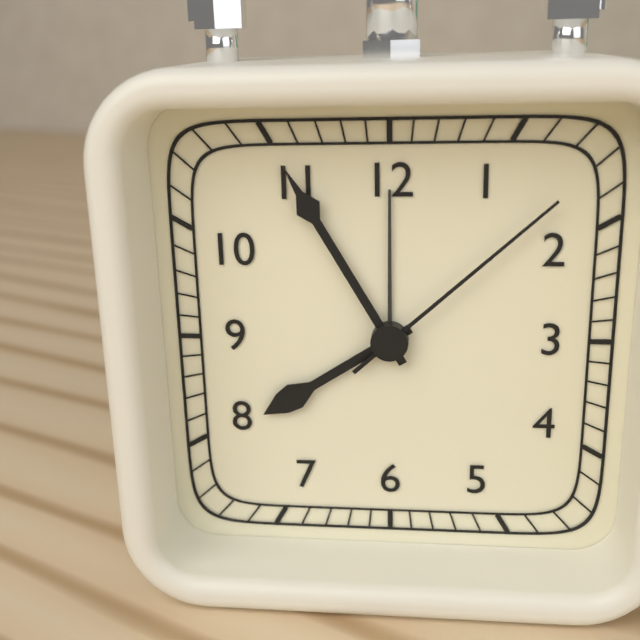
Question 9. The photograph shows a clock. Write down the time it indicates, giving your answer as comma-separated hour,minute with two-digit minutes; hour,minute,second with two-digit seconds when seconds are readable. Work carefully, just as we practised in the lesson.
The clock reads 7,55,08
